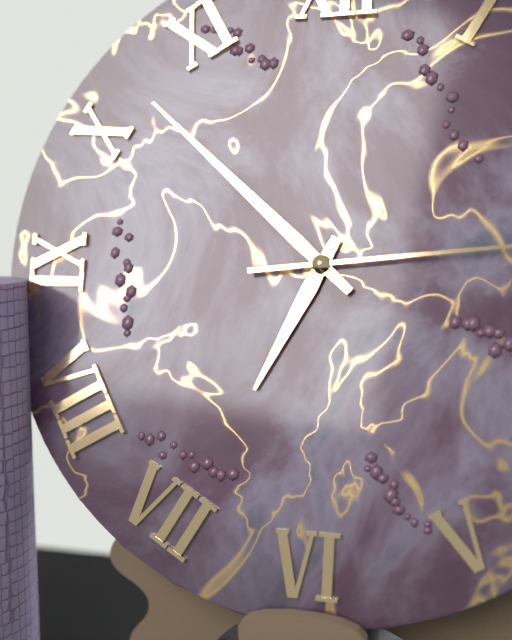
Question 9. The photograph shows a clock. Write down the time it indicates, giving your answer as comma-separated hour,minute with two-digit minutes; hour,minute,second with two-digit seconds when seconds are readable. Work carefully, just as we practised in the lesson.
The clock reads 6,52
